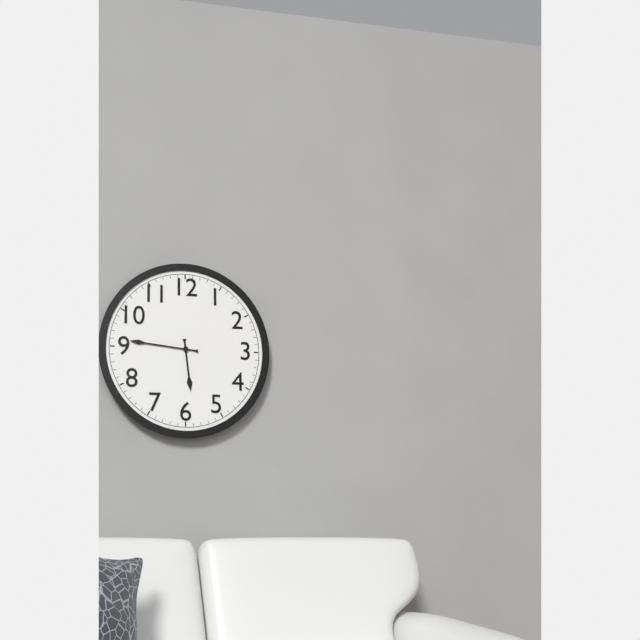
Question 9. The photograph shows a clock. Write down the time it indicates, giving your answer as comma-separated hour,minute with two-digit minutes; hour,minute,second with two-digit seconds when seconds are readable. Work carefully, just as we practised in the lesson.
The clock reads 5,46
